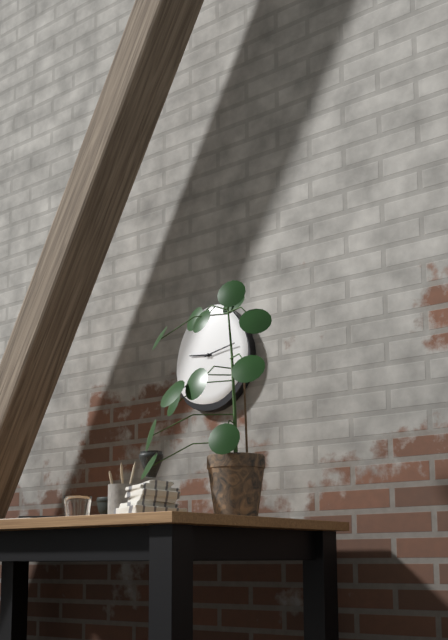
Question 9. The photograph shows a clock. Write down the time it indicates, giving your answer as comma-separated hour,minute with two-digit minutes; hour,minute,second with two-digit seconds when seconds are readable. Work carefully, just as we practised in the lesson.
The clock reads 9,13
